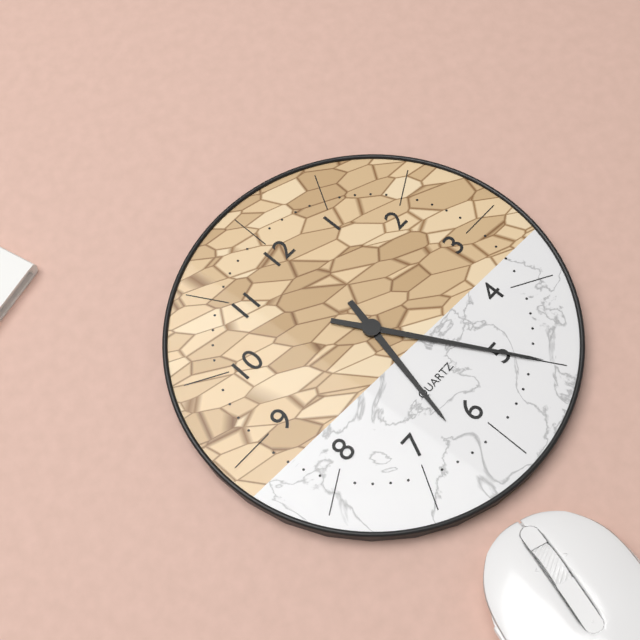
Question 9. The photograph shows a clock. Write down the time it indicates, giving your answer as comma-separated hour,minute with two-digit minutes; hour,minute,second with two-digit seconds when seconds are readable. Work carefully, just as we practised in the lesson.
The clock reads 6,25
